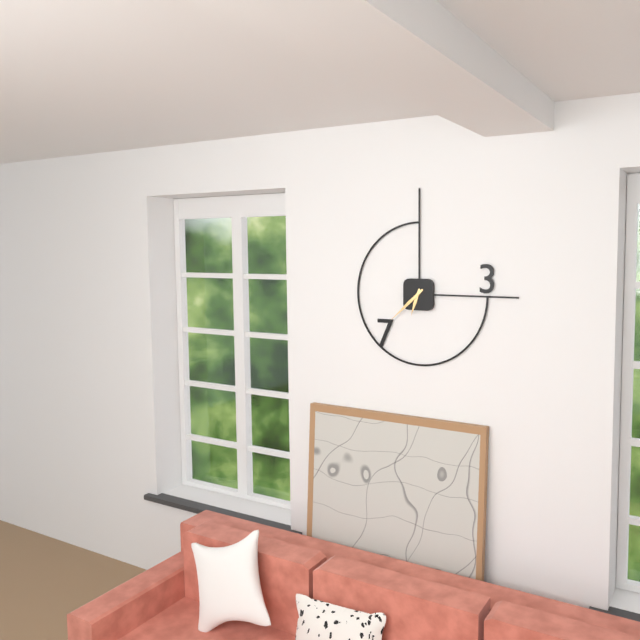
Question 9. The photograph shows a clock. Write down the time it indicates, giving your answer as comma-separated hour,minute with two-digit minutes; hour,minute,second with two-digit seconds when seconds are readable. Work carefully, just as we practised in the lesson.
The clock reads 6,38
